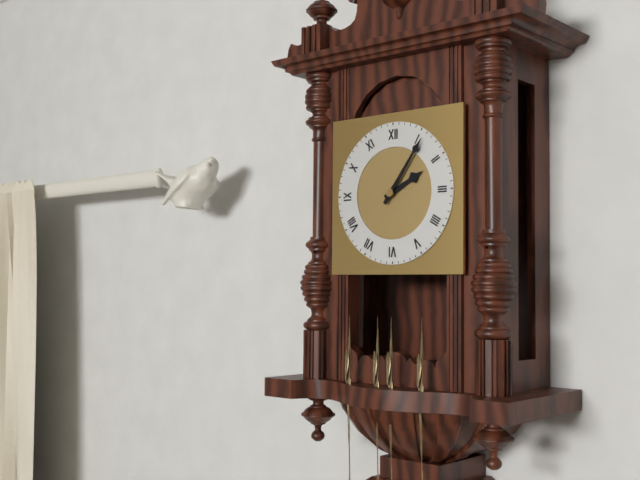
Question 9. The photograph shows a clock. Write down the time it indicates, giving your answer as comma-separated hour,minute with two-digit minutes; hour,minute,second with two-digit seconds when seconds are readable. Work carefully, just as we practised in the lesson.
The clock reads 2,06
